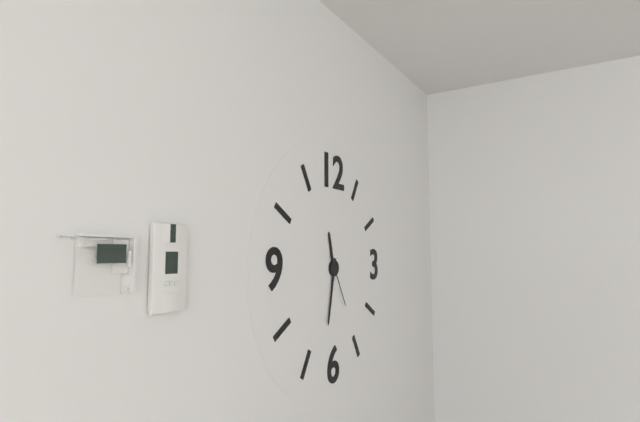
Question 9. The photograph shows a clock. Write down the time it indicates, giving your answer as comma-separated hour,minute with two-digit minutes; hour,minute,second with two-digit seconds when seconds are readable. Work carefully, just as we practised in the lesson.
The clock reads 11,32,25
